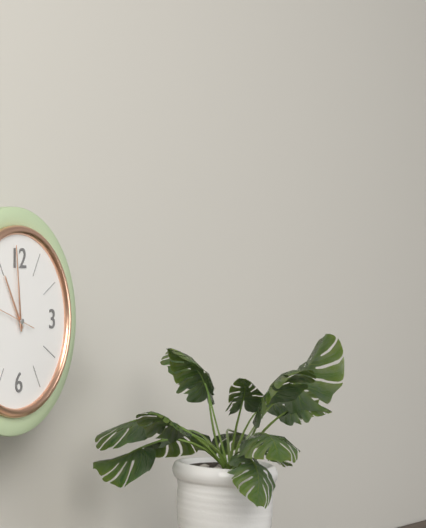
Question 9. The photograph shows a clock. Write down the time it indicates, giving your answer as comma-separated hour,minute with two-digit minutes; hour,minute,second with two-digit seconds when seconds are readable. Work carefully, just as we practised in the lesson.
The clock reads 10,59
